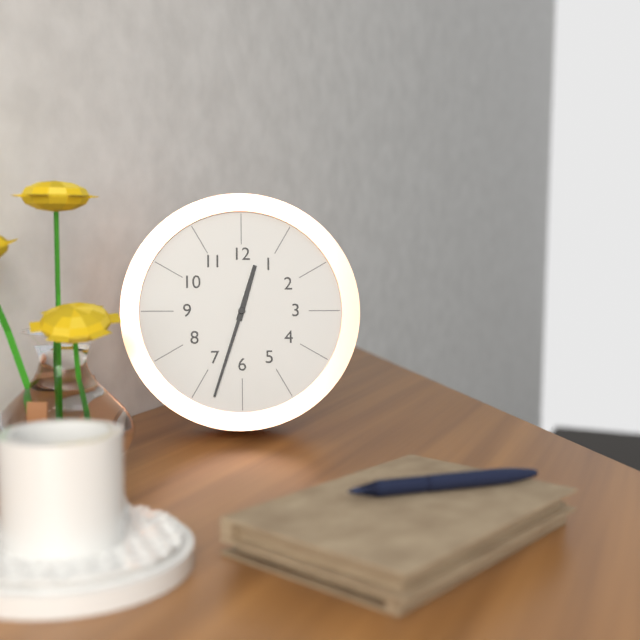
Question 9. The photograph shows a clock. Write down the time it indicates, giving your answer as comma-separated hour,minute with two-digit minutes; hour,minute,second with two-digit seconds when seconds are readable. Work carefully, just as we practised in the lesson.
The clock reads 12,33
